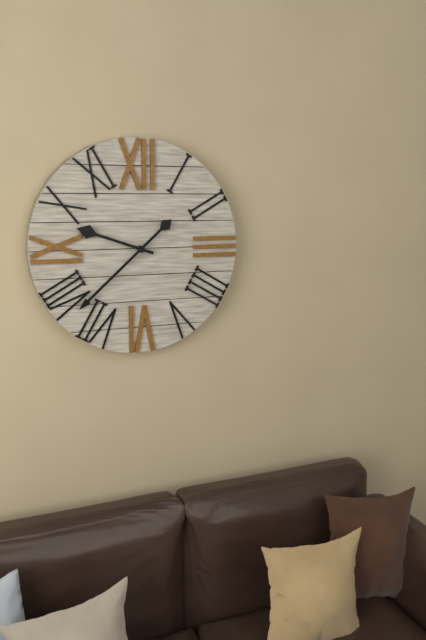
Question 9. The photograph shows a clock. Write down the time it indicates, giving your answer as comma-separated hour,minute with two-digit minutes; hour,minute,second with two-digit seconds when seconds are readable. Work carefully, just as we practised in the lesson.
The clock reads 9,38
